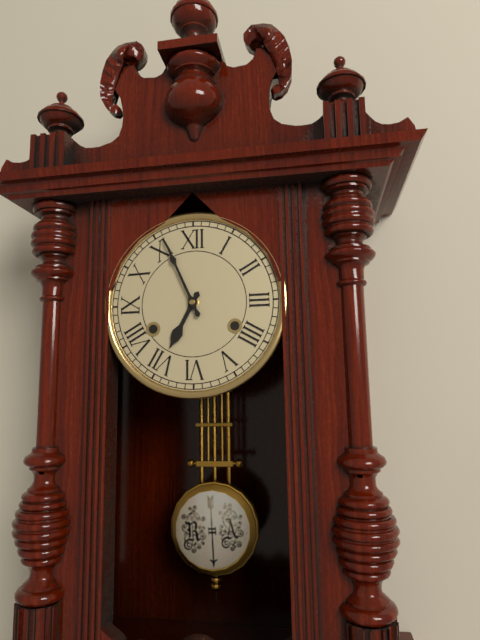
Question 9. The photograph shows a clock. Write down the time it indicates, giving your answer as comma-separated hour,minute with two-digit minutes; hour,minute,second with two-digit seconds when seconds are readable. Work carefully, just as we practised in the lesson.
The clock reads 6,56
